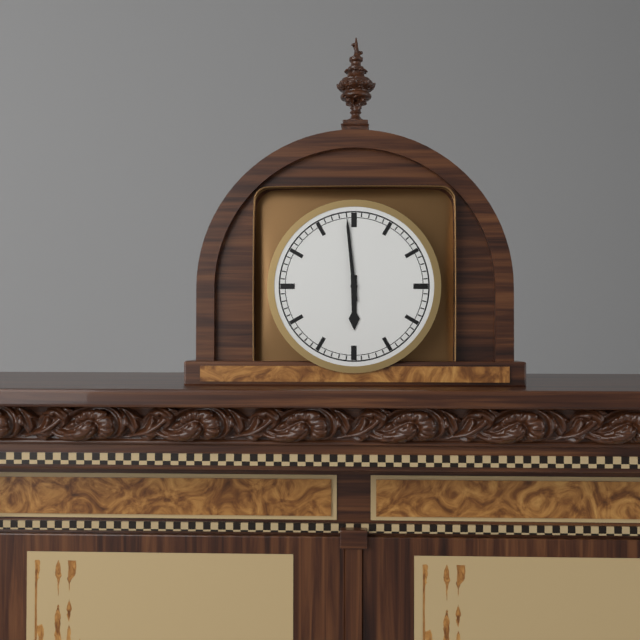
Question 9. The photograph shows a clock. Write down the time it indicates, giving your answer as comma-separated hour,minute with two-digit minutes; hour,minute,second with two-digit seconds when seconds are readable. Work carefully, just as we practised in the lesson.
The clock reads 5,59
